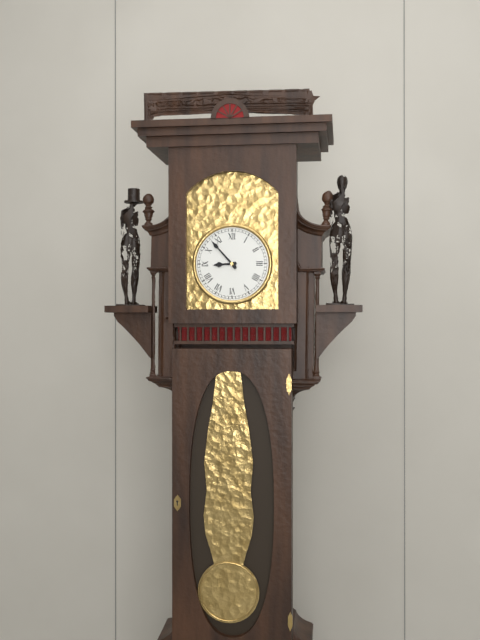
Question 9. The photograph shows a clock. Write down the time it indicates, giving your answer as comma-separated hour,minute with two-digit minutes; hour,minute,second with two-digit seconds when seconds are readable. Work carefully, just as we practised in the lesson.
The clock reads 8,53
